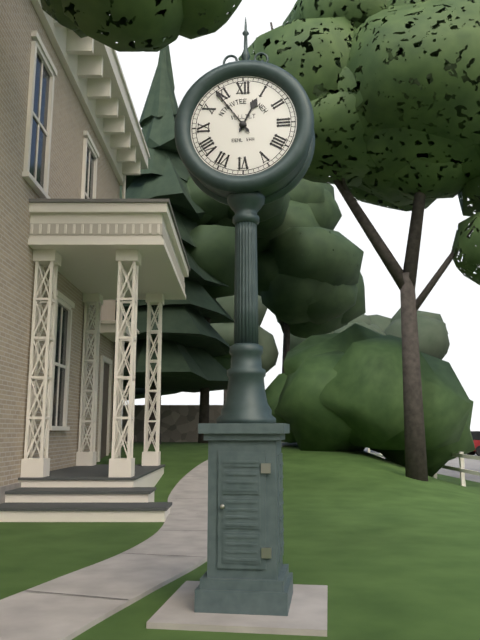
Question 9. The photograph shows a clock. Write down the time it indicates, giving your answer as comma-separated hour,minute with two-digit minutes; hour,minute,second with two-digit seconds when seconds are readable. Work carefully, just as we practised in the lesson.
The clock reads 12,54
